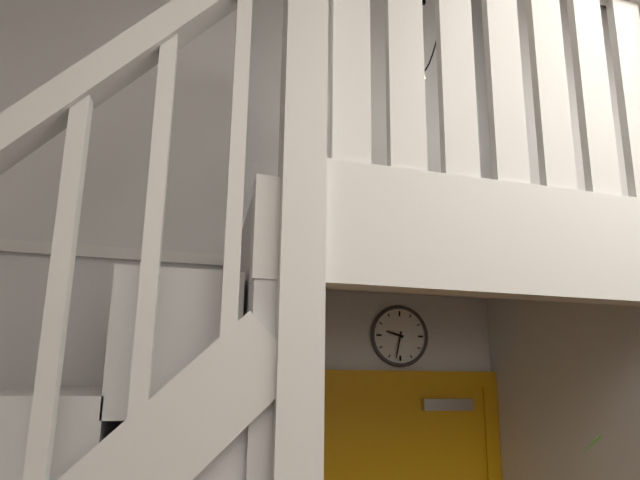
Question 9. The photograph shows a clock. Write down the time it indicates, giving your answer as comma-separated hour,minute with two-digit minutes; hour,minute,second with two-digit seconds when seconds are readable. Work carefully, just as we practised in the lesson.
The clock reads 9,32
